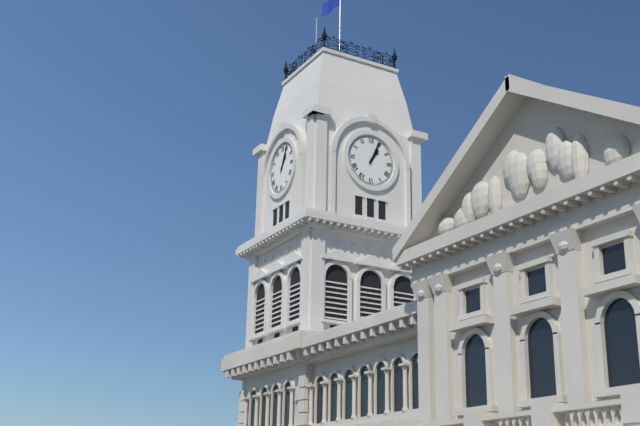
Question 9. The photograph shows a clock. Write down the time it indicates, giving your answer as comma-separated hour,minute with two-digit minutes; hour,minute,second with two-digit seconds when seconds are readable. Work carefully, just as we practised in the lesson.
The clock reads 1,04
